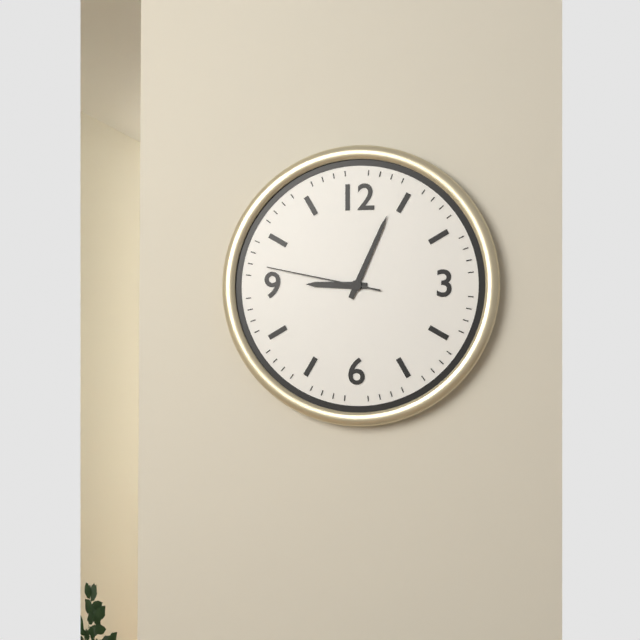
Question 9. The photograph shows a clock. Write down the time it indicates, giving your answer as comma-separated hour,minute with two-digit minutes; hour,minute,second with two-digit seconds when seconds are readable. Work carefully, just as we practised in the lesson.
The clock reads 9,04,47
